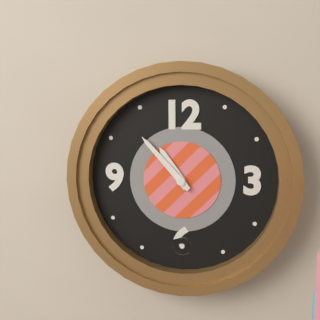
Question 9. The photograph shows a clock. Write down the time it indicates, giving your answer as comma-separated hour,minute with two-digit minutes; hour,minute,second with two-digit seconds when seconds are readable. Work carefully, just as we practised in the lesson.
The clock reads 10,53
